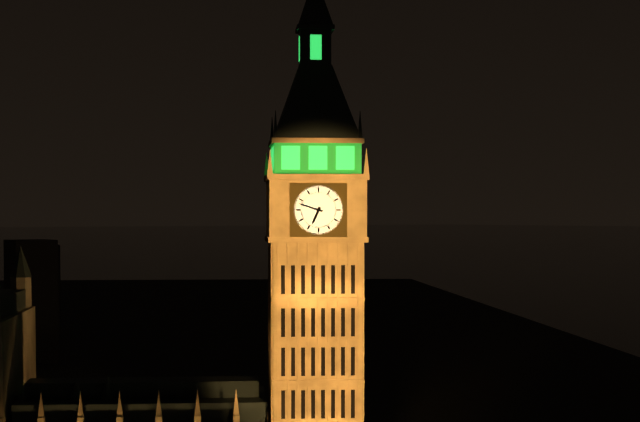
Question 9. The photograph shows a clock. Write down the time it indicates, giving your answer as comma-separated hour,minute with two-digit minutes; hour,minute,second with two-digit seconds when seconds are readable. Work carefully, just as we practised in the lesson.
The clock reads 6,48
